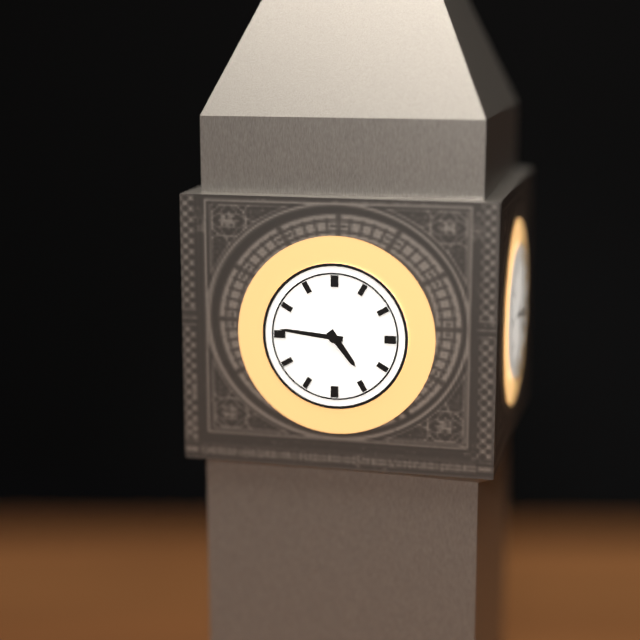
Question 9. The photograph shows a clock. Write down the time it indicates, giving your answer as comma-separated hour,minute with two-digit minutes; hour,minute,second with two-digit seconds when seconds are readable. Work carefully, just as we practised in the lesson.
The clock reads 4,46
